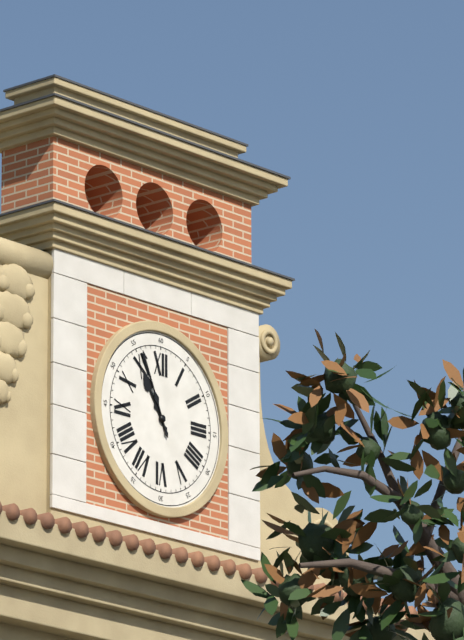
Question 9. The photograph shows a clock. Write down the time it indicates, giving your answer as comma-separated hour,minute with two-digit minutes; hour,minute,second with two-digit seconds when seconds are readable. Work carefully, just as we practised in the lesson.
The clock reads 10,56
